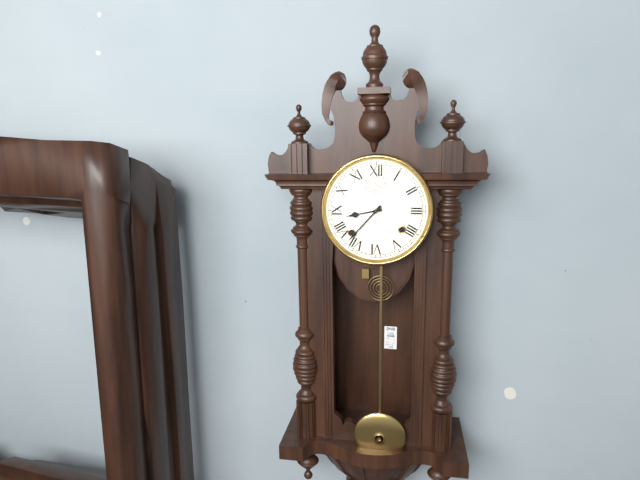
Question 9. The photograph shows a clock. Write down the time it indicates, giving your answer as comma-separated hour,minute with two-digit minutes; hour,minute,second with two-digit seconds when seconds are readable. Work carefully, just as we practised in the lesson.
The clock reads 8,37
